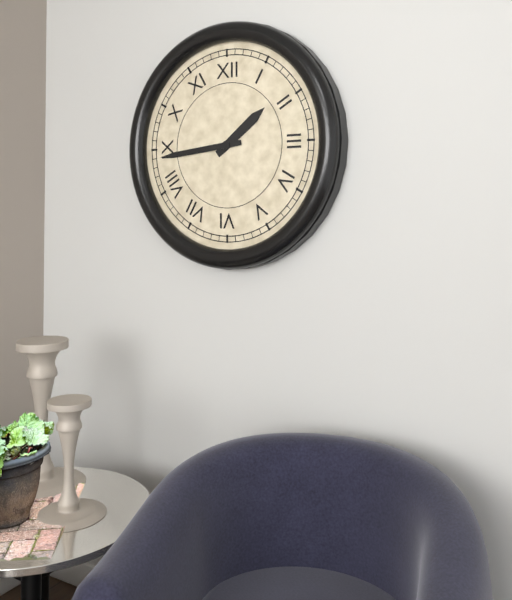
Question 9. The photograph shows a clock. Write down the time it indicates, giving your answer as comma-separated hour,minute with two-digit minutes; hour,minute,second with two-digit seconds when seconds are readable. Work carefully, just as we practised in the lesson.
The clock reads 1,44
